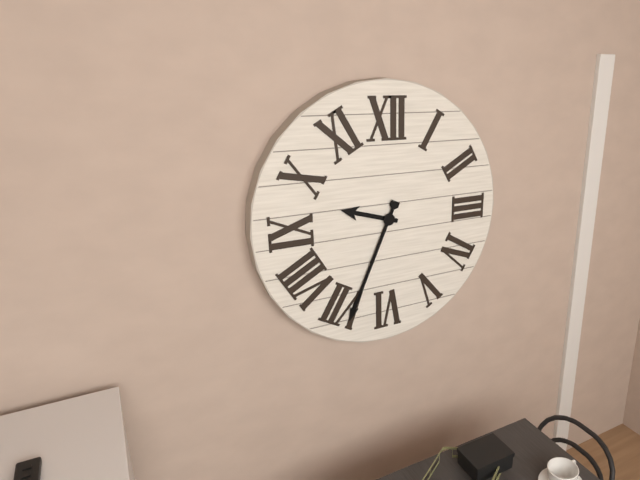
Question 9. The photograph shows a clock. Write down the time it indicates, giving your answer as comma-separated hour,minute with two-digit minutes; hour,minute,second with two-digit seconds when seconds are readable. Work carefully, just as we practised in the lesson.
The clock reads 9,34
